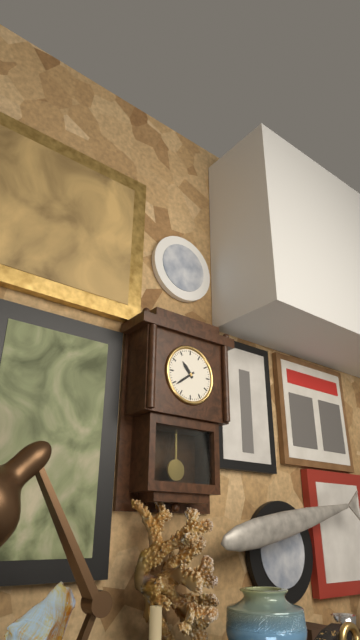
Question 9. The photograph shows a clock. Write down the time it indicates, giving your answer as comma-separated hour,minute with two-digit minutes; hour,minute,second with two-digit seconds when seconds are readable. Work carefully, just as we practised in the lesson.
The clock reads 10,39
